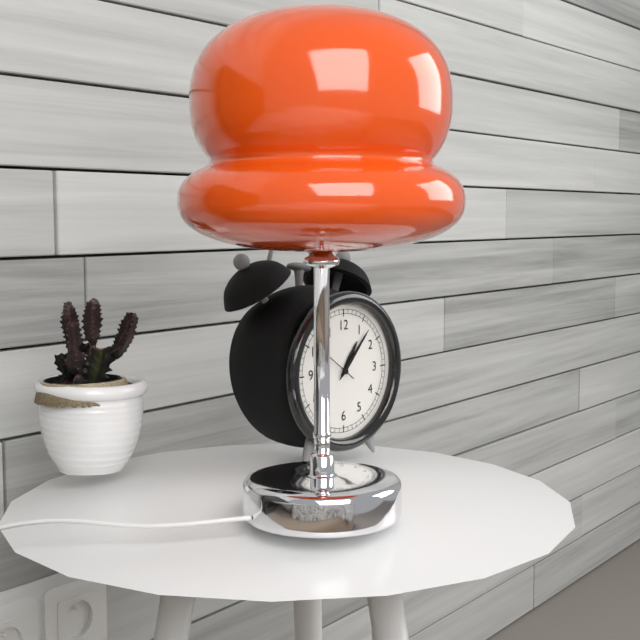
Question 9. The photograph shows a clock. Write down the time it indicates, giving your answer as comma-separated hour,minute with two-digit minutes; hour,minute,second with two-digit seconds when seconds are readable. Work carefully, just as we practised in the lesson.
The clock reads 1,07
